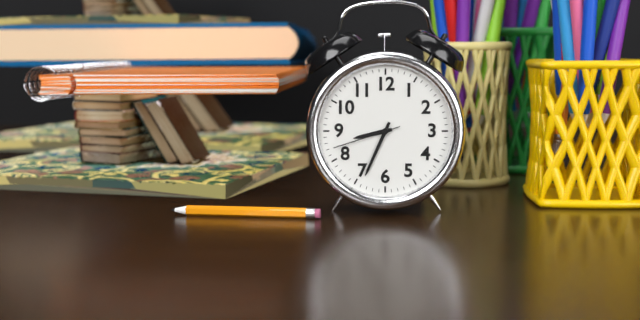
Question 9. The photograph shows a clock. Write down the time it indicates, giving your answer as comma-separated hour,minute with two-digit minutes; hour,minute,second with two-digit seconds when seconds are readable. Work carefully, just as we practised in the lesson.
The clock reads 8,34,42
